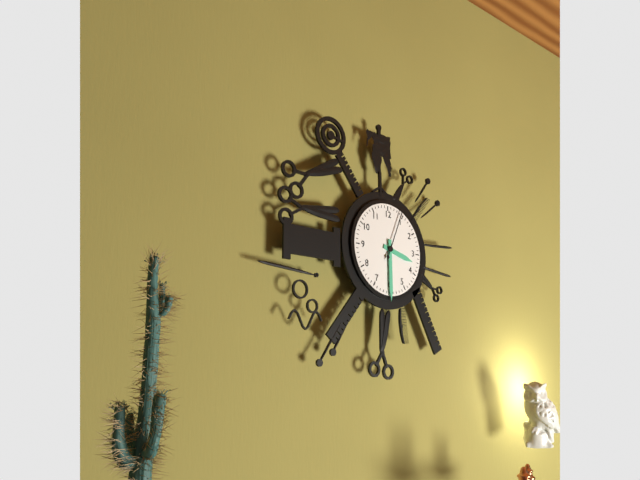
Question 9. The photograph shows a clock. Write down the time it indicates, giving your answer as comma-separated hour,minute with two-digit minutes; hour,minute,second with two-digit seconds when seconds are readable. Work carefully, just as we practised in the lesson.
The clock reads 3,30,04
